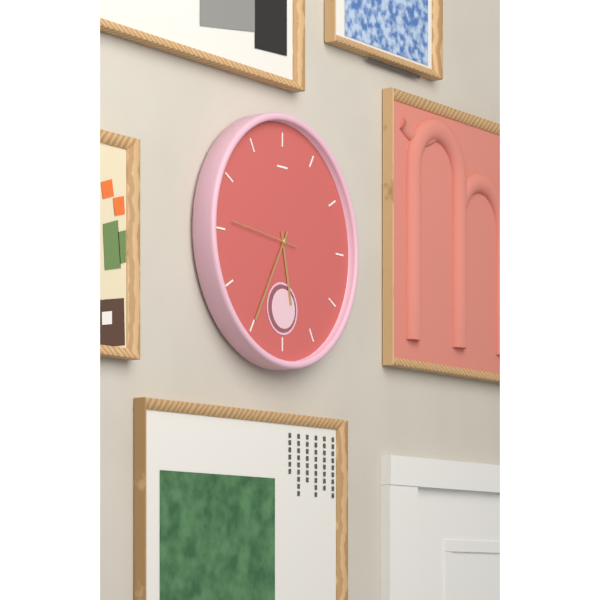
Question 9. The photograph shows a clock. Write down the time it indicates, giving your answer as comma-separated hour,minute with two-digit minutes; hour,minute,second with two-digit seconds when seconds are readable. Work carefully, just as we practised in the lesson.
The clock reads 5,35,46
